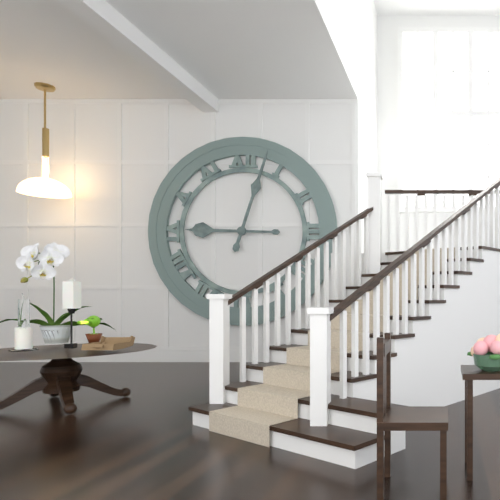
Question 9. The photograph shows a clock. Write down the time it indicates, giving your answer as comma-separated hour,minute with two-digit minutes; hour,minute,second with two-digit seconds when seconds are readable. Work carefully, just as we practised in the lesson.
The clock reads 9,03
